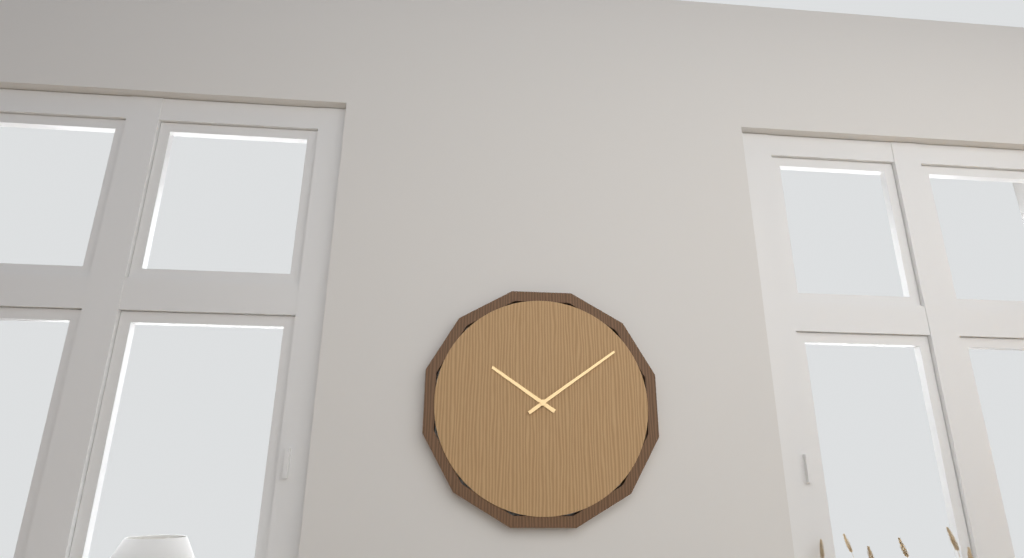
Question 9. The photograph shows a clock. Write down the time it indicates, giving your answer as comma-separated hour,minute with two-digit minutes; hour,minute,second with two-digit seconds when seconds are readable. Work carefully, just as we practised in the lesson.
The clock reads 10,09
